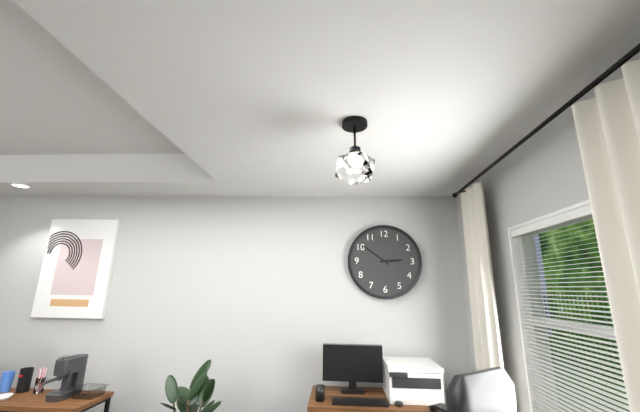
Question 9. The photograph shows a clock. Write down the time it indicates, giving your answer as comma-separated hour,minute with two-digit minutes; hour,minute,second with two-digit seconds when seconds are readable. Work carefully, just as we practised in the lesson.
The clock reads 2,51
